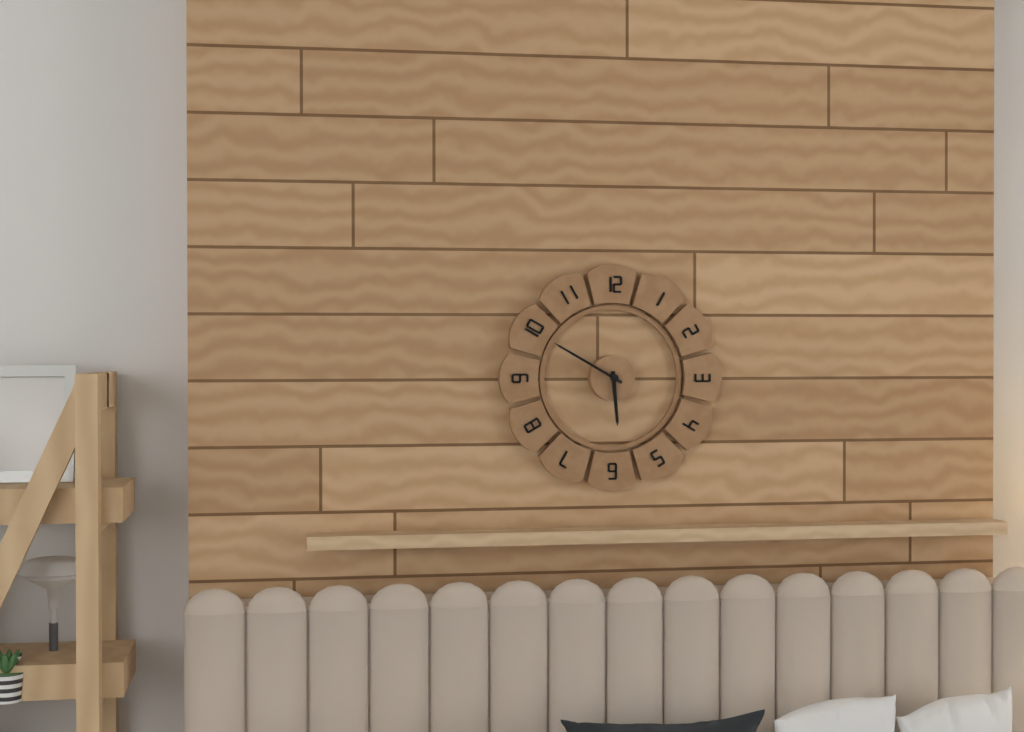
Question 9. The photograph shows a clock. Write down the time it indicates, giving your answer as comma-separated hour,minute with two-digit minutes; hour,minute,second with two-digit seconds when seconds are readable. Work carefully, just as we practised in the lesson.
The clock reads 5,50
